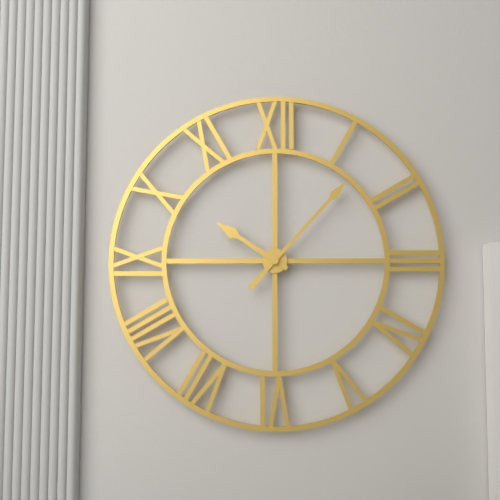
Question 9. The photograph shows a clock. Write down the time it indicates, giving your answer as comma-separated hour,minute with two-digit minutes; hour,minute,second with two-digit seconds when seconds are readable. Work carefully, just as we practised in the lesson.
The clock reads 10,07
